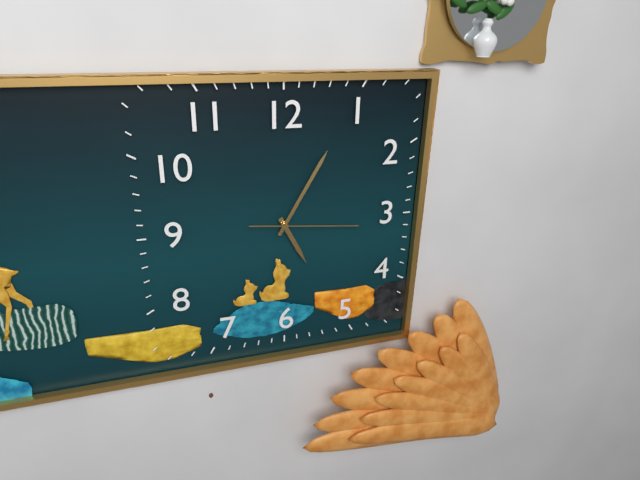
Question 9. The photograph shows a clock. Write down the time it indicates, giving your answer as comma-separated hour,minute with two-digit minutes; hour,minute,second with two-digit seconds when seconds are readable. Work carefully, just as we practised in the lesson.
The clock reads 5,05,16
